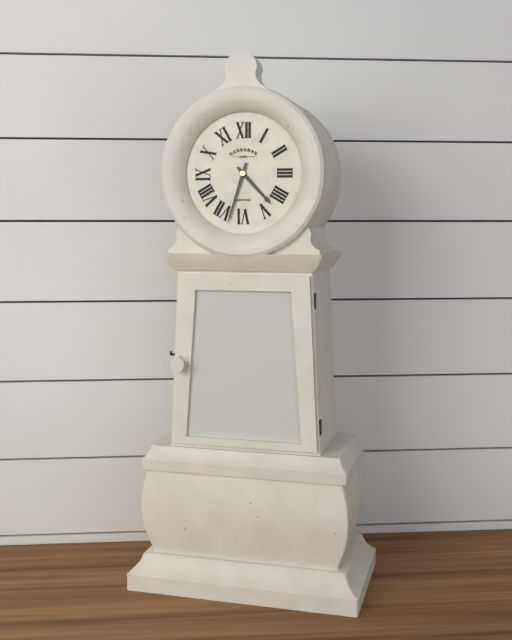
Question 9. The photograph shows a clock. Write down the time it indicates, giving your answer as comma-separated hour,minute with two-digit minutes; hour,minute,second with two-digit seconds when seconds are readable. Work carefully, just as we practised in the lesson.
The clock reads 4,33
